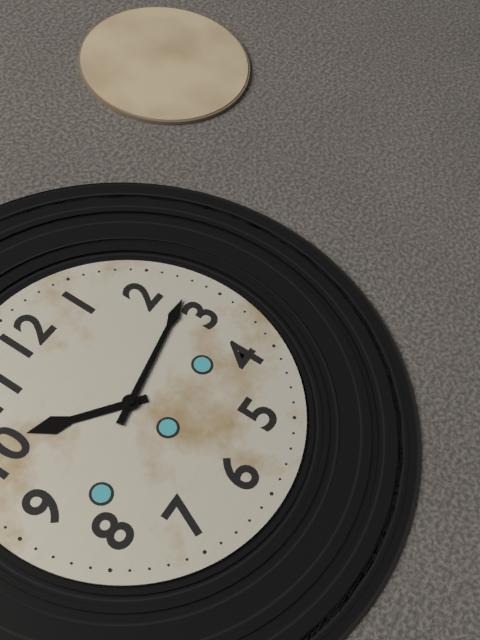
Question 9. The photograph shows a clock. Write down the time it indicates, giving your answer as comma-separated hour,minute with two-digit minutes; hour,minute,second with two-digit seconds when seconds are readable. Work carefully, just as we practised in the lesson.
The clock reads 10,13
